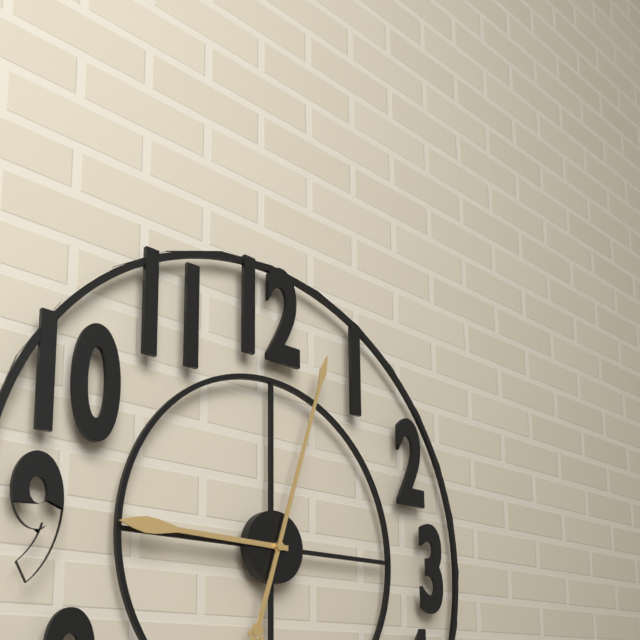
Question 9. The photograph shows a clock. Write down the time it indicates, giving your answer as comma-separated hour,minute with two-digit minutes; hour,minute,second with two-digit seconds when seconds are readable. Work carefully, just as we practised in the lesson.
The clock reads 9,03
